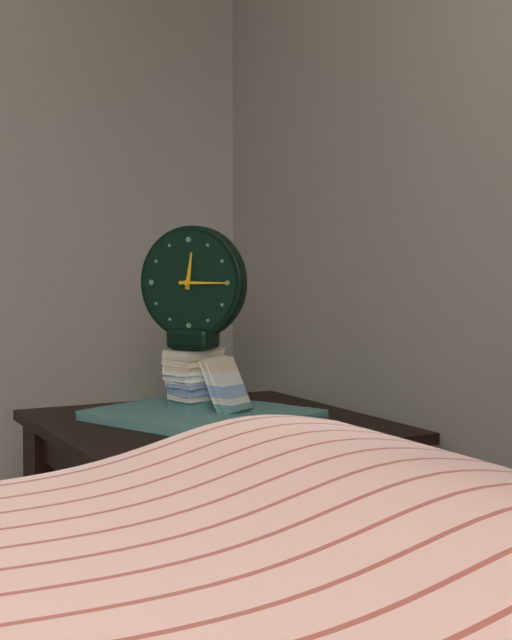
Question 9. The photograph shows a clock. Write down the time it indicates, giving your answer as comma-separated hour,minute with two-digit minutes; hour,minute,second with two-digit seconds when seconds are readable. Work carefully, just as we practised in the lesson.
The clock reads 12,15
